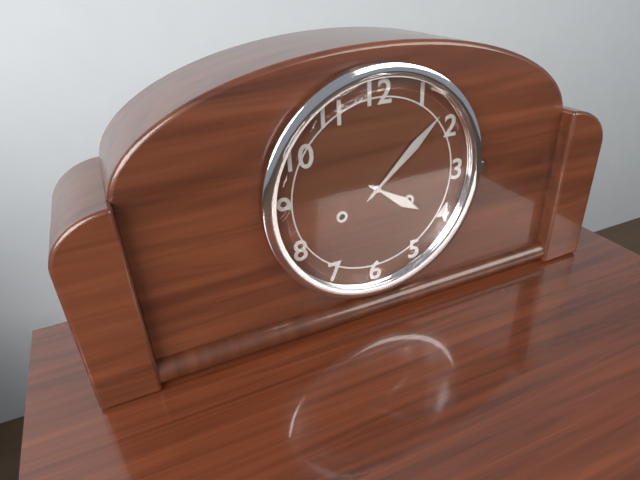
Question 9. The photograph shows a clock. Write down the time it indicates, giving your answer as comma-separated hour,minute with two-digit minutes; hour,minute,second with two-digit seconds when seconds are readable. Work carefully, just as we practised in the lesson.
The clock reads 4,08
